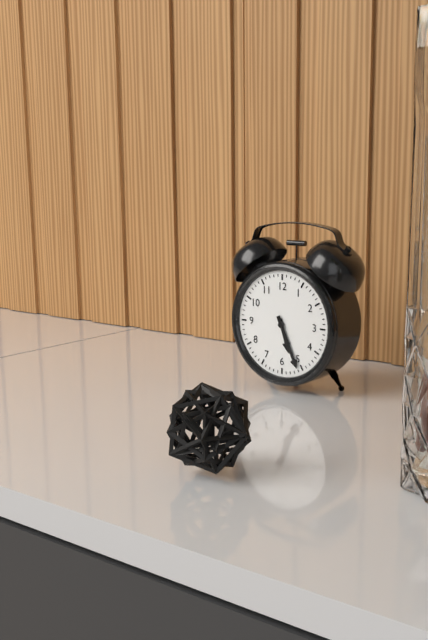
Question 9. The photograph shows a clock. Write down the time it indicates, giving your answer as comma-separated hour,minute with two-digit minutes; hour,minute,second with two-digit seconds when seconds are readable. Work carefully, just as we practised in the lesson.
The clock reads 5,26
